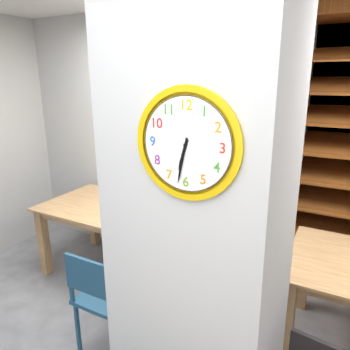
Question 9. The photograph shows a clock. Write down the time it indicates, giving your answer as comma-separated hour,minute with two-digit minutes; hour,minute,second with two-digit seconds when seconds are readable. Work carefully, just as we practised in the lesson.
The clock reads 6,32
